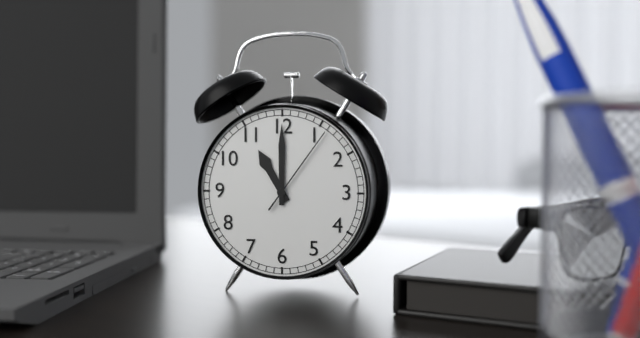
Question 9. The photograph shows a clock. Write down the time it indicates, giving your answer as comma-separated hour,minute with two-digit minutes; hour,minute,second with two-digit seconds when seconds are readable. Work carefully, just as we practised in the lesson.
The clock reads 11,00,06
